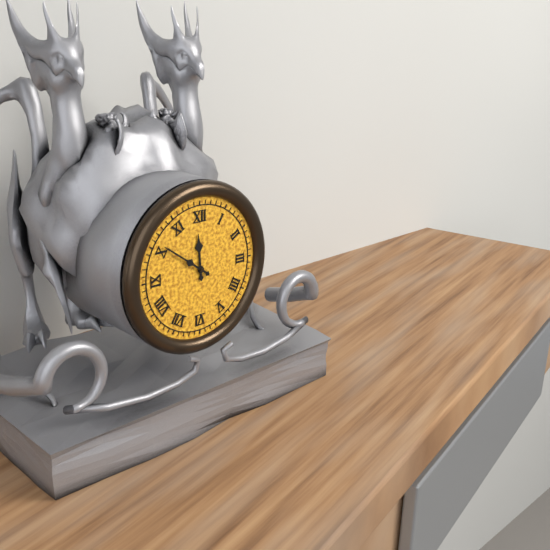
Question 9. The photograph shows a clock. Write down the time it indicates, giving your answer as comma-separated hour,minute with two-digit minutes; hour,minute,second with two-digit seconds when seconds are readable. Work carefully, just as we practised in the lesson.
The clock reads 11,51
